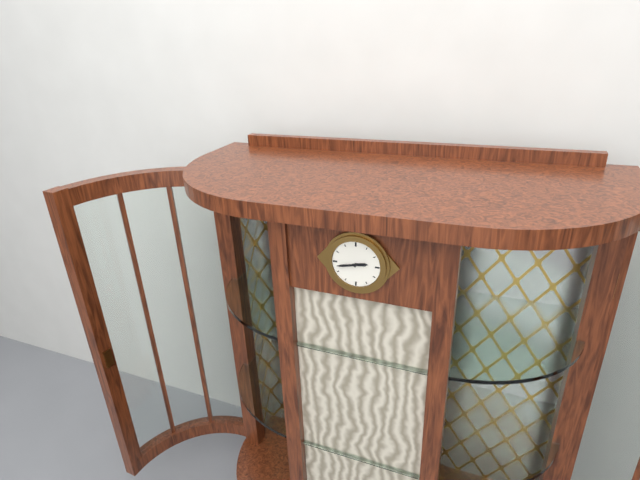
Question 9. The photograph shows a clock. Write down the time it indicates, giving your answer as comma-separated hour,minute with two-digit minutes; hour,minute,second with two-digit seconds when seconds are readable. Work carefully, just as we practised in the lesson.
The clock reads 2,43
